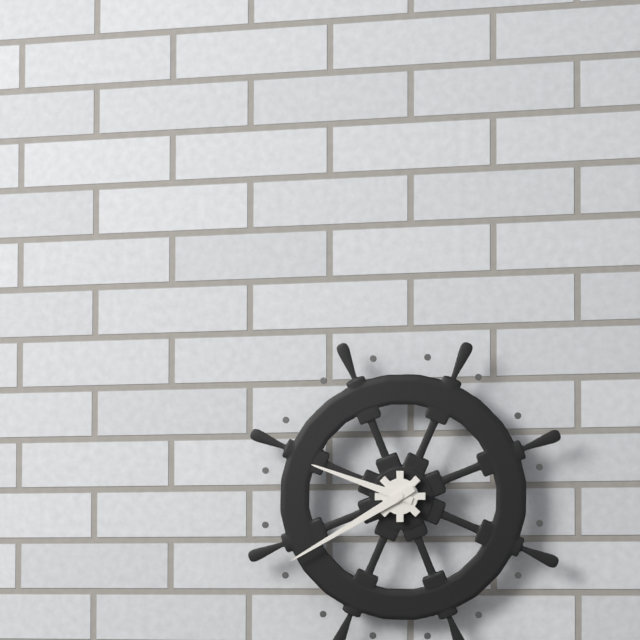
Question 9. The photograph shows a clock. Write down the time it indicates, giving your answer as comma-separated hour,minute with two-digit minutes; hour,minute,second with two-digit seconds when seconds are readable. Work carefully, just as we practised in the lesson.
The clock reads 9,40
